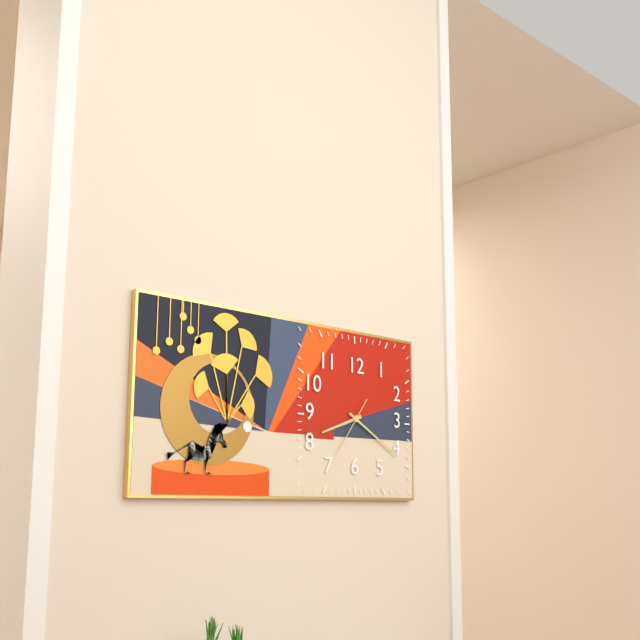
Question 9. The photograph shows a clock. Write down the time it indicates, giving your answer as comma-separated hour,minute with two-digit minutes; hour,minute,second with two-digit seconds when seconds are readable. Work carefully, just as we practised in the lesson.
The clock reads 8,20,36
